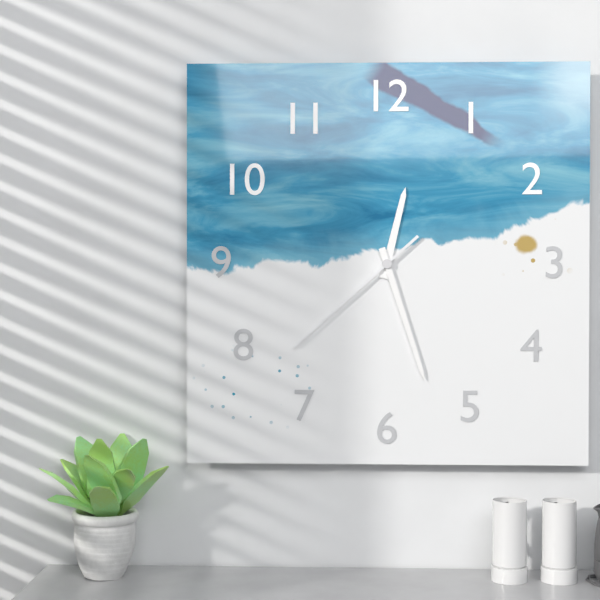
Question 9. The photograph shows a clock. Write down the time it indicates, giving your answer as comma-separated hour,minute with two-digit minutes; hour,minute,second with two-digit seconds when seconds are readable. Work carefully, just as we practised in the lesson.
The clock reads 12,27,38
